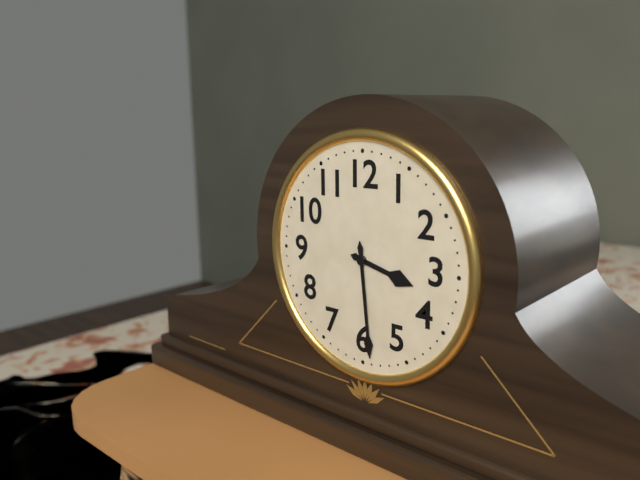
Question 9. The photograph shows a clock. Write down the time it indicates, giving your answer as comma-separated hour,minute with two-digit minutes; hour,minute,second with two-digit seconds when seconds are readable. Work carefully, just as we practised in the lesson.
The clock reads 3,29
